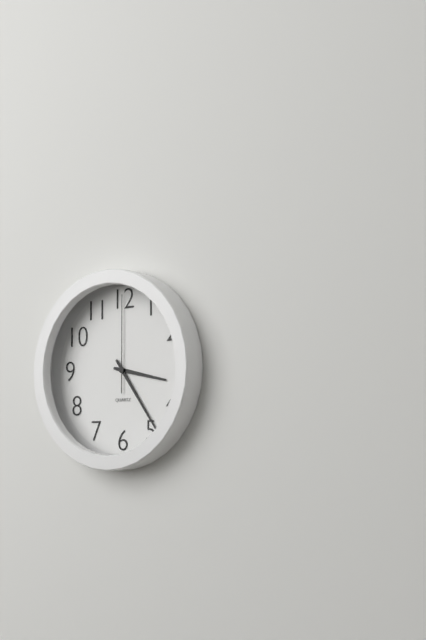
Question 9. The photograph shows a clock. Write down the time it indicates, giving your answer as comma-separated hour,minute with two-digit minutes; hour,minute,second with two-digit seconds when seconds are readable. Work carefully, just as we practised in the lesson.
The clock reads 3,24,00
